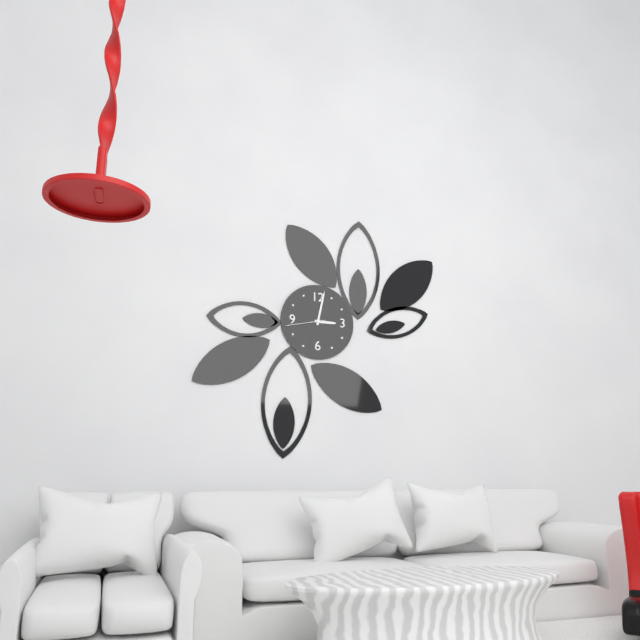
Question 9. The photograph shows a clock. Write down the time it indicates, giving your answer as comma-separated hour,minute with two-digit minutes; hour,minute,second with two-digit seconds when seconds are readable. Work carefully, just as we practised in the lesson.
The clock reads 3,02
